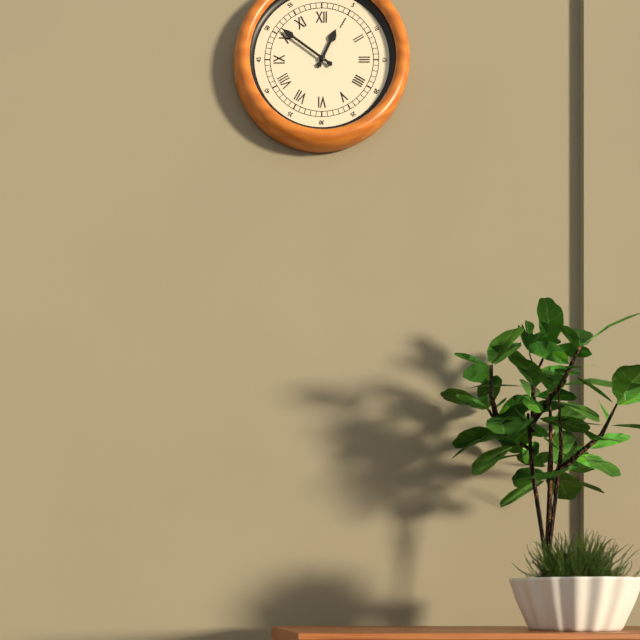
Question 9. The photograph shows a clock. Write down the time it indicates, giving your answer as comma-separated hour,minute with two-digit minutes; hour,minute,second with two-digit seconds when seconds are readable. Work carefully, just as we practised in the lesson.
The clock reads 12,51
